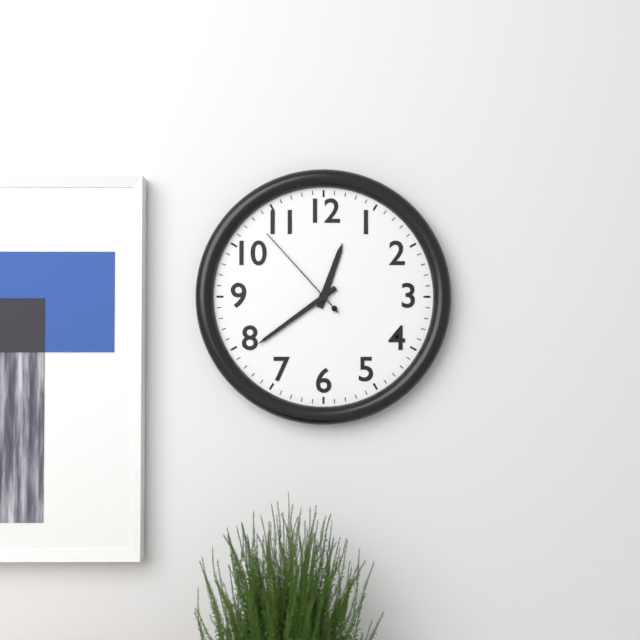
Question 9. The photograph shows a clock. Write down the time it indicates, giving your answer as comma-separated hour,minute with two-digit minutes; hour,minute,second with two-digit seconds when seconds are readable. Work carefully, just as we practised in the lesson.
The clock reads 12,39,53
